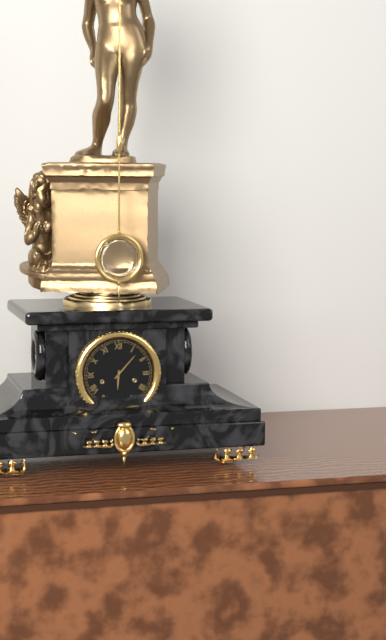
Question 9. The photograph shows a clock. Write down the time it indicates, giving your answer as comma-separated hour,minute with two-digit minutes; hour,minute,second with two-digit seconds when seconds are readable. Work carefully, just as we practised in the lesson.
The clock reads 6,07
